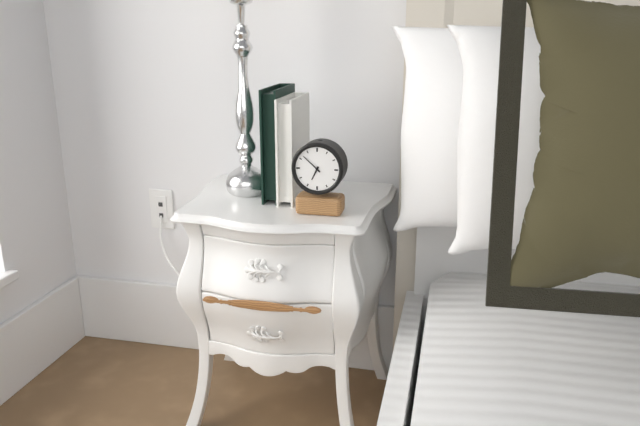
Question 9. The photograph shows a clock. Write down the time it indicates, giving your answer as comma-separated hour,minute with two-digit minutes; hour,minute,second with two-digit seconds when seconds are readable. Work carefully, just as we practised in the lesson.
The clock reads 6,52
